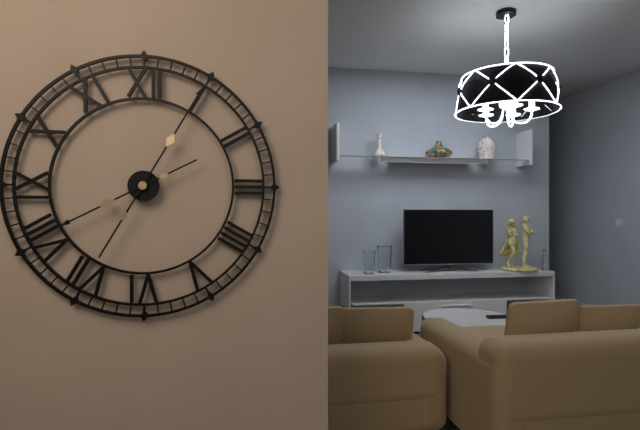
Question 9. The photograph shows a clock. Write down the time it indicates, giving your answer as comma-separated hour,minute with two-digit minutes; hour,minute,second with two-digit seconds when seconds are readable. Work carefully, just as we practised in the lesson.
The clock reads 8,05
